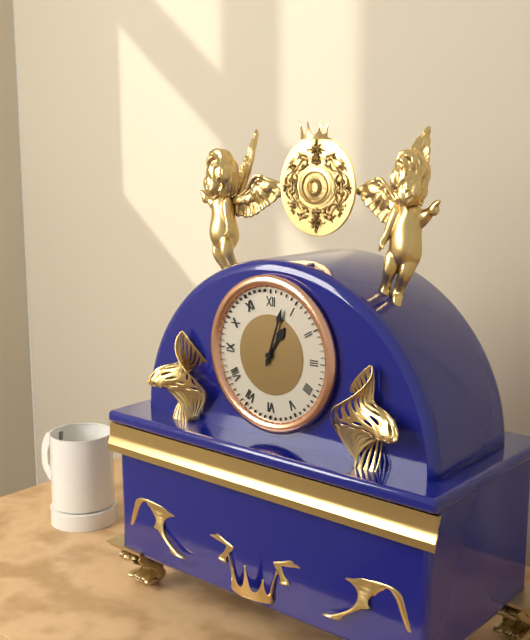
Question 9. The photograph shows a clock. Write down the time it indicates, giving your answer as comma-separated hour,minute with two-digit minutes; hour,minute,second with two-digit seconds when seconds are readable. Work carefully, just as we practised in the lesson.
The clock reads 1,03
